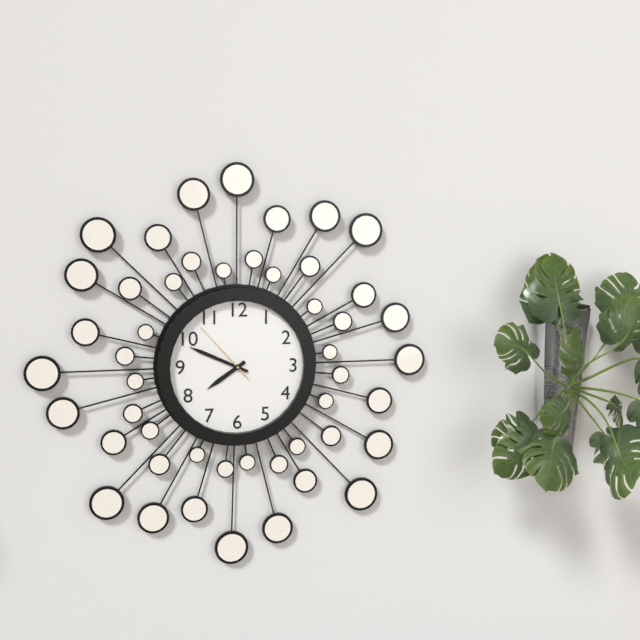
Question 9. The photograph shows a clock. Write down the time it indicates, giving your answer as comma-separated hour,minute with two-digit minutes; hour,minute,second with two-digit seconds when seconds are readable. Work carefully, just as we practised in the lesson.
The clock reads 7,49,53
